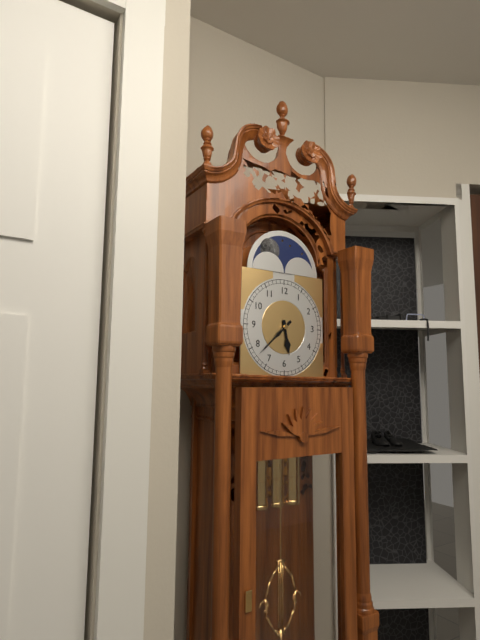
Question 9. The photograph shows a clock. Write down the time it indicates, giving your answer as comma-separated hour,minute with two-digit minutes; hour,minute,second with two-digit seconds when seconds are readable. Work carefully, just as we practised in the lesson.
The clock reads 5,38
